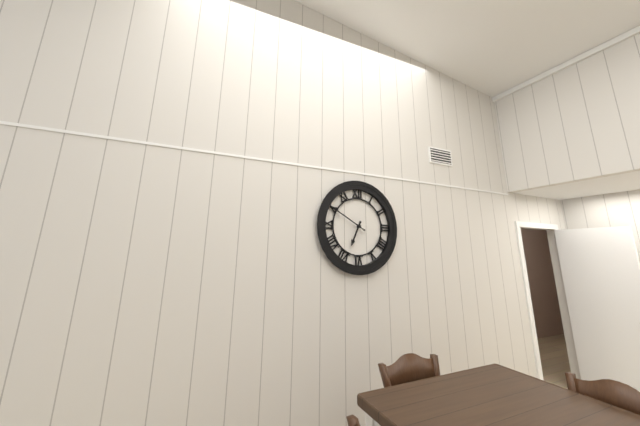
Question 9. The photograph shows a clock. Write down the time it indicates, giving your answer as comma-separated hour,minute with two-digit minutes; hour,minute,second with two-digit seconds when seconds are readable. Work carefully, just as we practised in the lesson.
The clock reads 6,50
